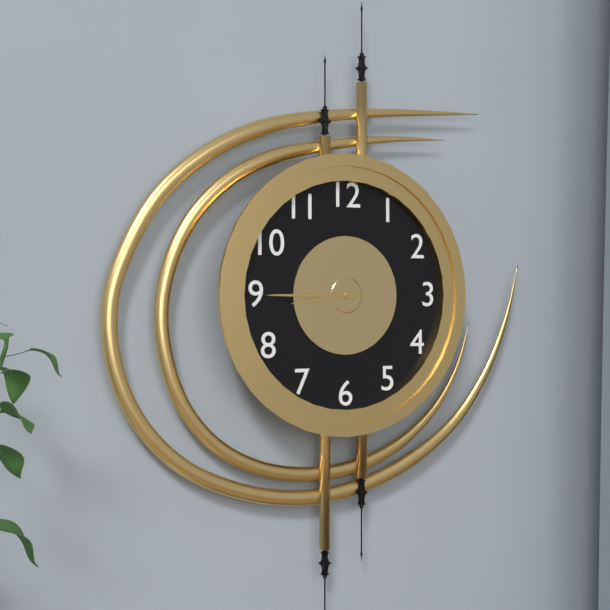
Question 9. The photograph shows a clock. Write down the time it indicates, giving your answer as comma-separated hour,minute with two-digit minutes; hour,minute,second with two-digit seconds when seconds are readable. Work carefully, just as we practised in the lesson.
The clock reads 8,45
